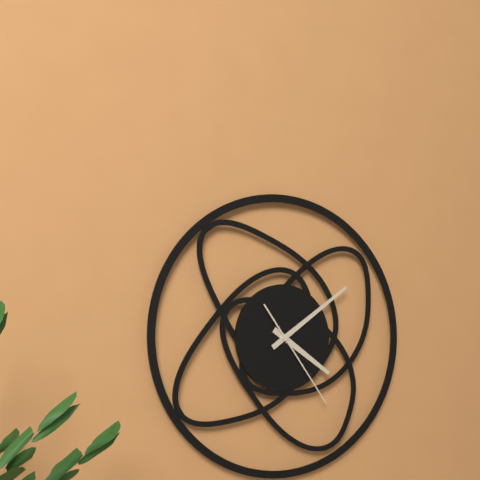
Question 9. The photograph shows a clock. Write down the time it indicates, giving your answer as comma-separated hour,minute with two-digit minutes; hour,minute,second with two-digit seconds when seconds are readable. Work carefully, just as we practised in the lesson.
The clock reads 4,09,24
